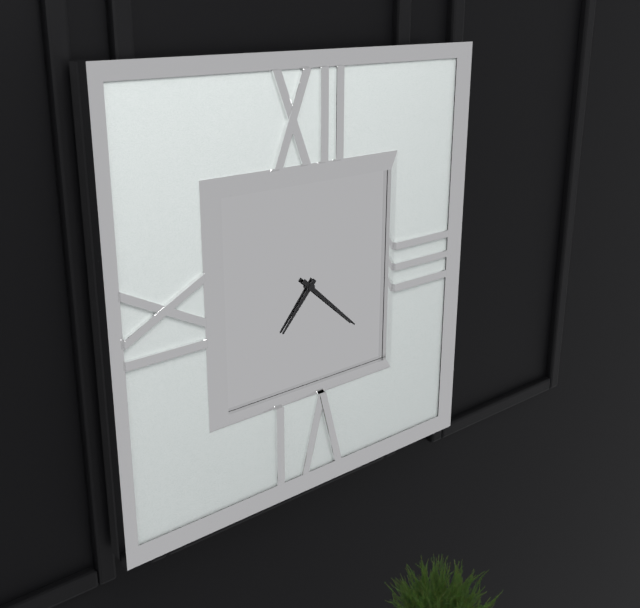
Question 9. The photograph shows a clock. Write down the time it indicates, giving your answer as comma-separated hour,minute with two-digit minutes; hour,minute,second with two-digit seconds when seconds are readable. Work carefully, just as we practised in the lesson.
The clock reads 7,22
